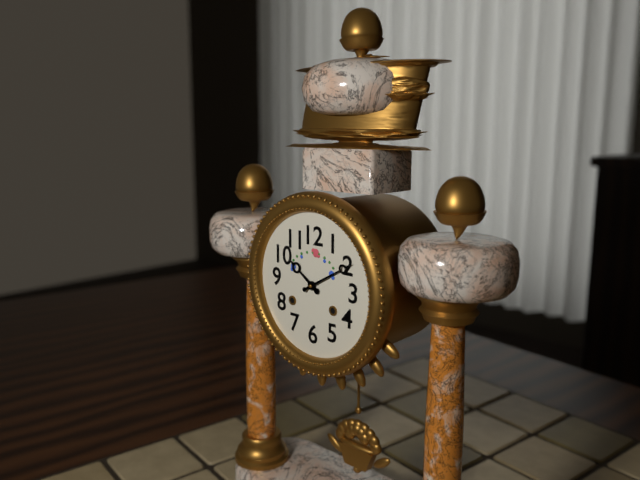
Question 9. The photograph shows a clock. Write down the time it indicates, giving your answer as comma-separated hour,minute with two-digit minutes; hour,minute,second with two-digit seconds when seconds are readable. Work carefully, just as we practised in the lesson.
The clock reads 10,10
